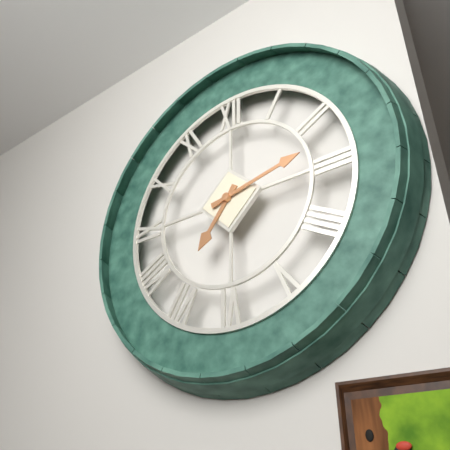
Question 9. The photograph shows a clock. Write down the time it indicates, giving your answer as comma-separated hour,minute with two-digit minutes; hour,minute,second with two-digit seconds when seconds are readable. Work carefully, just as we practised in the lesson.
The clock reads 7,13
